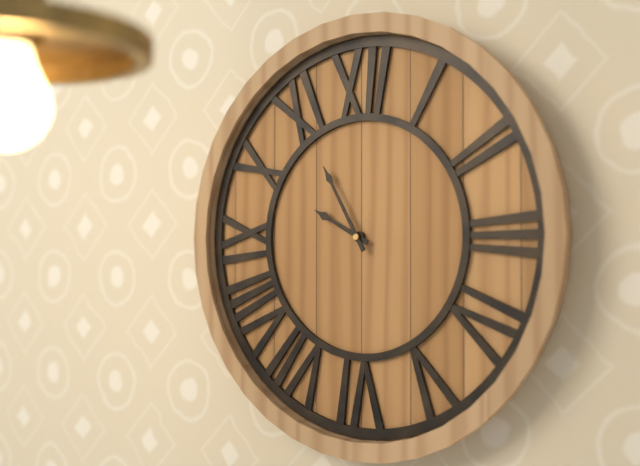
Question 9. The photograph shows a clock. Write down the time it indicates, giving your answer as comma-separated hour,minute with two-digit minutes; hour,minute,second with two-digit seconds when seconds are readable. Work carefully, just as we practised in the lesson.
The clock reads 9,55
